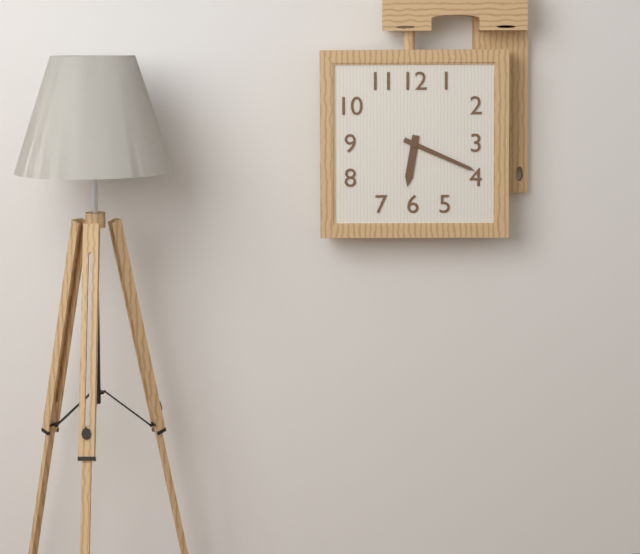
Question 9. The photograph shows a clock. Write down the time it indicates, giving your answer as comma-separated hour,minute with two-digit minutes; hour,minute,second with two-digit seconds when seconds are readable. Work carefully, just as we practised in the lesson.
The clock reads 6,19
